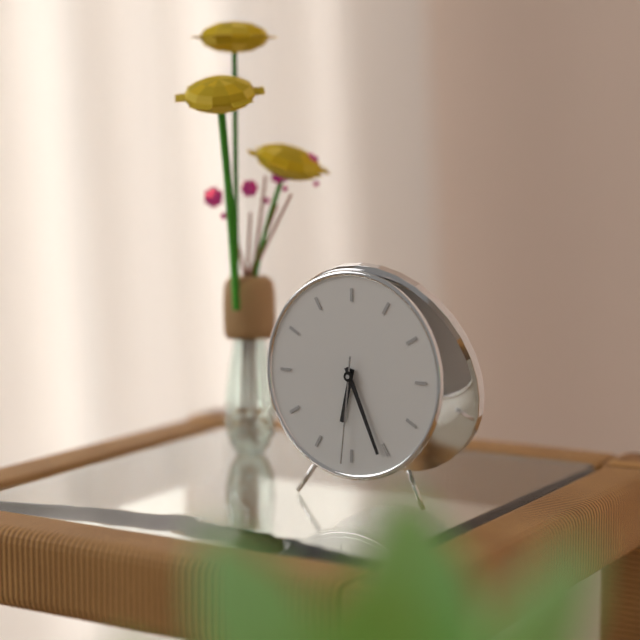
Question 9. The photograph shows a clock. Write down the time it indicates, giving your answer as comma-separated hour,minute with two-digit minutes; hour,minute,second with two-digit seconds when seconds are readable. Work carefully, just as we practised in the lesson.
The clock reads 6,26,31
